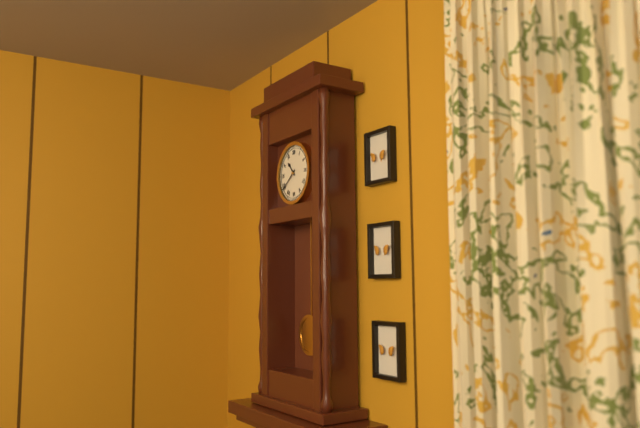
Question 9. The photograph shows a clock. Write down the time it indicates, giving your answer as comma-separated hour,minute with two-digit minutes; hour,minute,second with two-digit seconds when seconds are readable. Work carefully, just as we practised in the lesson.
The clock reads 10,39
